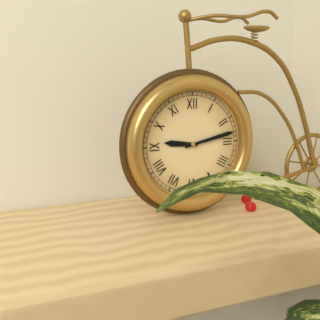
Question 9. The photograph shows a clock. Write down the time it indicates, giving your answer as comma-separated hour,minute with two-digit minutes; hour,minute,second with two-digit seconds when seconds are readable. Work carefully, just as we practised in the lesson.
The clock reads 9,13
